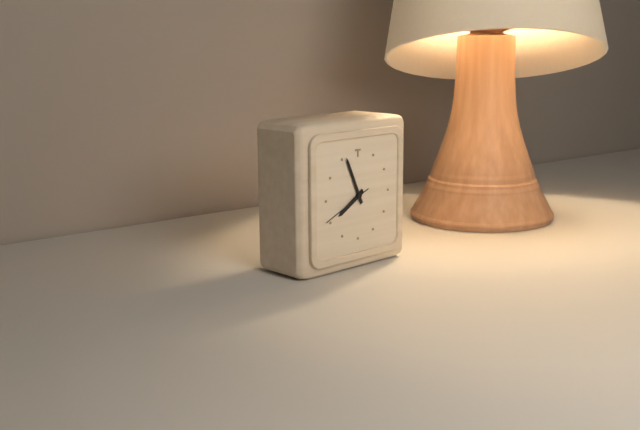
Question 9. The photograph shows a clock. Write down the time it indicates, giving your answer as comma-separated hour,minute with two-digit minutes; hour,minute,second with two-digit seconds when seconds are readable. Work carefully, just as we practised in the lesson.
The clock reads 7,56,41
